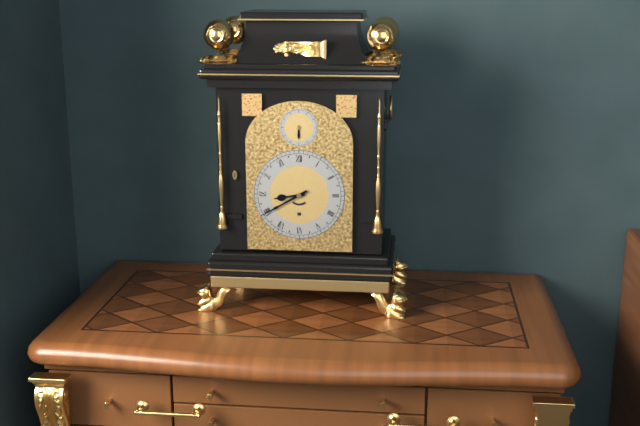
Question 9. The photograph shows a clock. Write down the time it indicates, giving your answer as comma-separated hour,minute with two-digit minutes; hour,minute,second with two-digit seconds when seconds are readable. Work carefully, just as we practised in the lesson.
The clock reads 8,40
